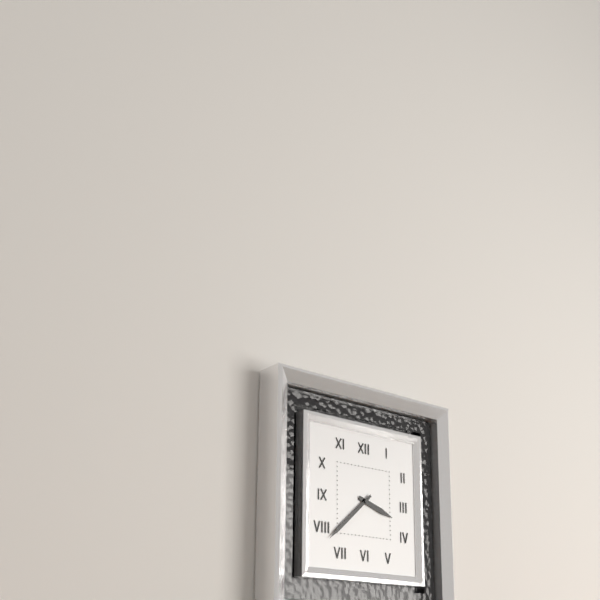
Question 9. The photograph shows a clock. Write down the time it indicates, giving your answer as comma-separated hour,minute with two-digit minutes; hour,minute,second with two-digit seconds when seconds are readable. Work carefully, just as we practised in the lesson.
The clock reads 3,38
